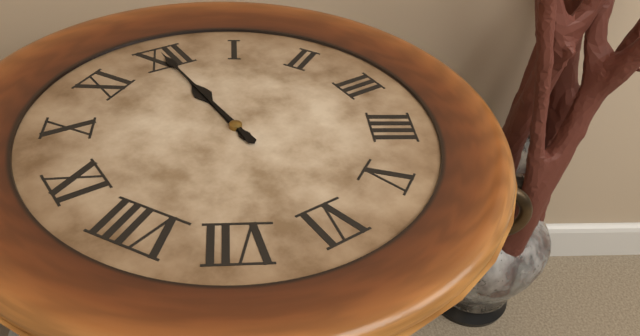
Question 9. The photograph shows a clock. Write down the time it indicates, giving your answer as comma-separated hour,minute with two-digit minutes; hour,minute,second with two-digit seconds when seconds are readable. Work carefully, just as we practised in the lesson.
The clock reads 12,00
